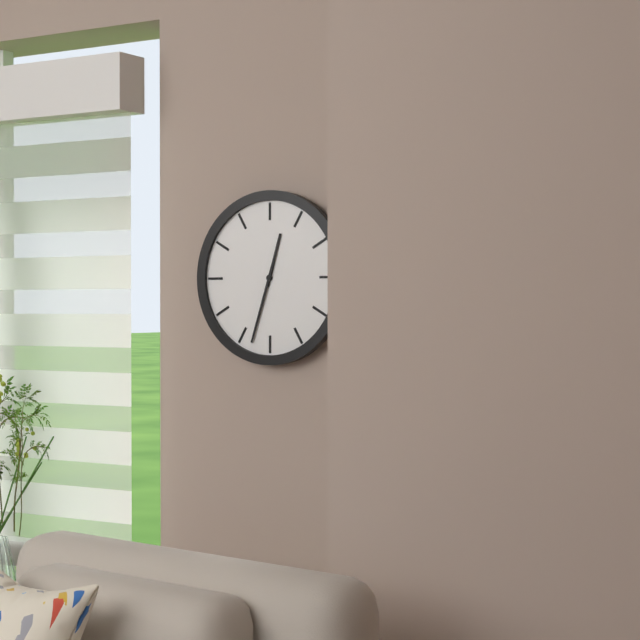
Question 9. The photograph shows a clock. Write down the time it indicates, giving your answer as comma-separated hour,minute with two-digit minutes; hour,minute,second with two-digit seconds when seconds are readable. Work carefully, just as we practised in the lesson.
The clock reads 12,33
